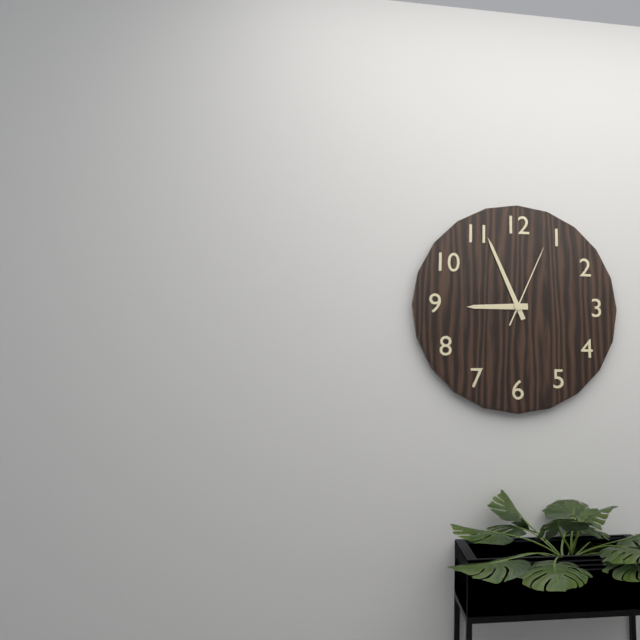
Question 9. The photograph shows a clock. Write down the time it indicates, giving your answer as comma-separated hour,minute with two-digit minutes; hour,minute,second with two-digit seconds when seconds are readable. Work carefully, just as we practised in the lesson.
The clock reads 8,56,04
